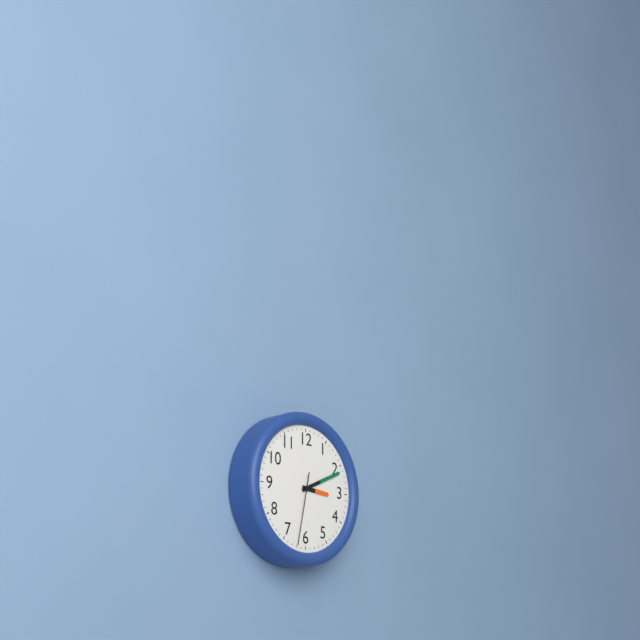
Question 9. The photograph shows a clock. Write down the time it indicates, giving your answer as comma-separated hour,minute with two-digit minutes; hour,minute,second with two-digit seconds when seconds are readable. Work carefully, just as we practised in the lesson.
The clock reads 3,11,32
